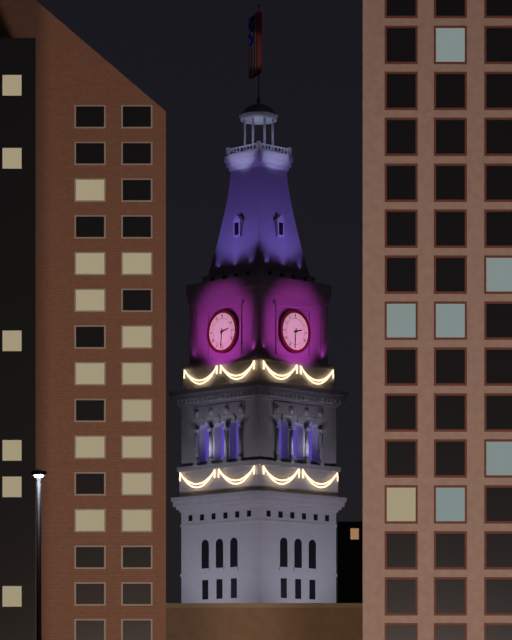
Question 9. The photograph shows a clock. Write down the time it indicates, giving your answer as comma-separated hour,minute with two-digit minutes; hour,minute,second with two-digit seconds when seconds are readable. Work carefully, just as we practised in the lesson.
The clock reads 2,31
